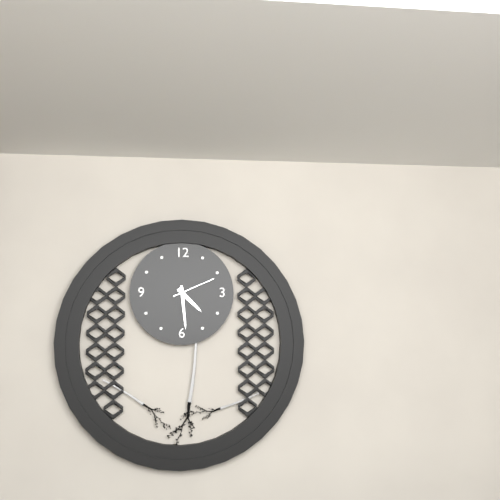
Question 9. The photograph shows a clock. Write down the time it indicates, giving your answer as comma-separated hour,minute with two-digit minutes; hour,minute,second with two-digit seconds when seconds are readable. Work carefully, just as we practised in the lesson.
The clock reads 4,29
